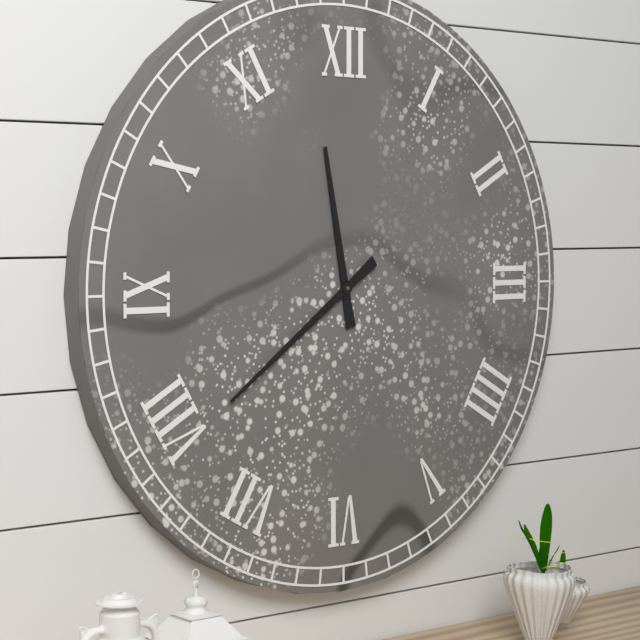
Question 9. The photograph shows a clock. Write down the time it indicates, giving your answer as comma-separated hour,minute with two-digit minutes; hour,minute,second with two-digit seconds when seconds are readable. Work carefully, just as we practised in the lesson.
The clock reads 11,39
